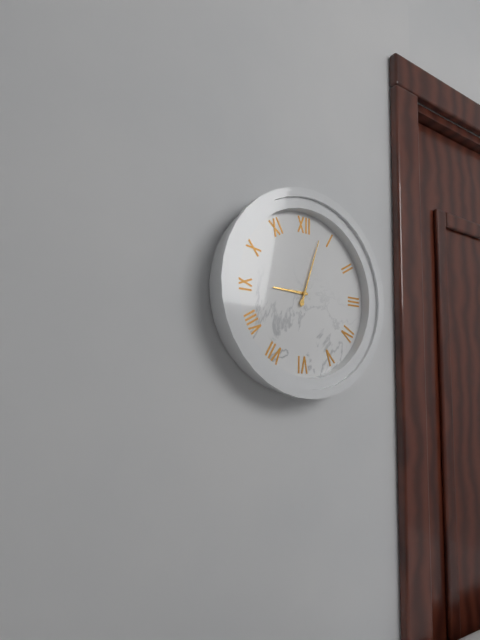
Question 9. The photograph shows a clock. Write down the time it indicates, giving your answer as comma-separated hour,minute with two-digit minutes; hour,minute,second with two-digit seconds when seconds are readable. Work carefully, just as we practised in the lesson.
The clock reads 9,03
